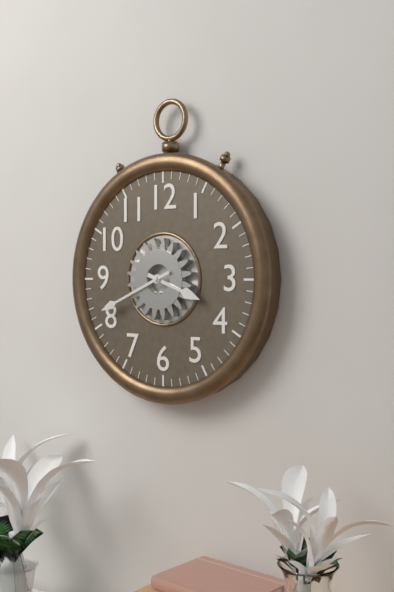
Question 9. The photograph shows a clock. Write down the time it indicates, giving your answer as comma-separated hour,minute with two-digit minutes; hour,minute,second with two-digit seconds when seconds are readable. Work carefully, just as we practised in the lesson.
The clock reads 3,41
